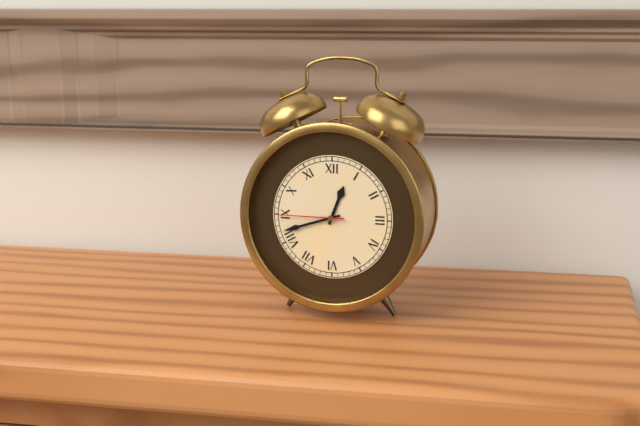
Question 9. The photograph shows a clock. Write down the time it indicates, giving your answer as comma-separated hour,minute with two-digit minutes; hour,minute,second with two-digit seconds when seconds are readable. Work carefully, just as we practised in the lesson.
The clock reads 12,42,45
